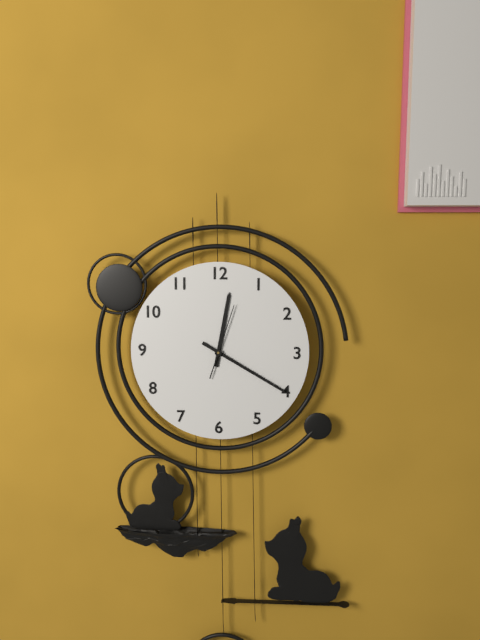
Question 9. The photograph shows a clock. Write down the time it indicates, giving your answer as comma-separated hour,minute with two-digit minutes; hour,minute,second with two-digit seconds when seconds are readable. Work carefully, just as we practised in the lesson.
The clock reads 12,20,03
